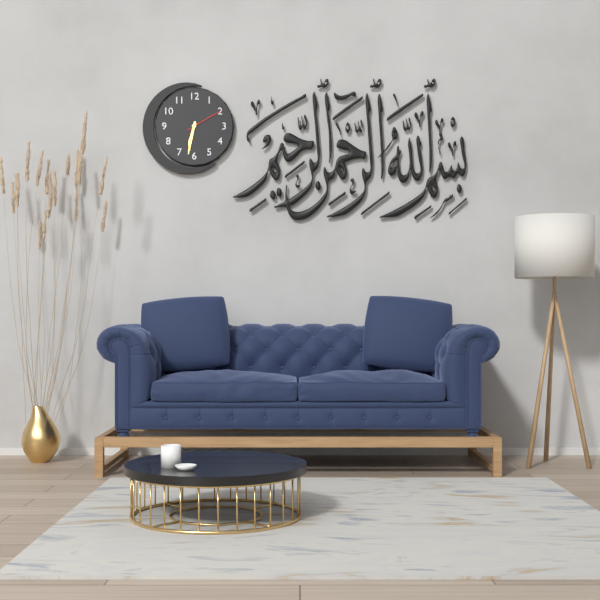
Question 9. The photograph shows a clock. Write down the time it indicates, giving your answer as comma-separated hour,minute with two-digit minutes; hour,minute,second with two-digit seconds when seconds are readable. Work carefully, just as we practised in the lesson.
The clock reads 6,32
